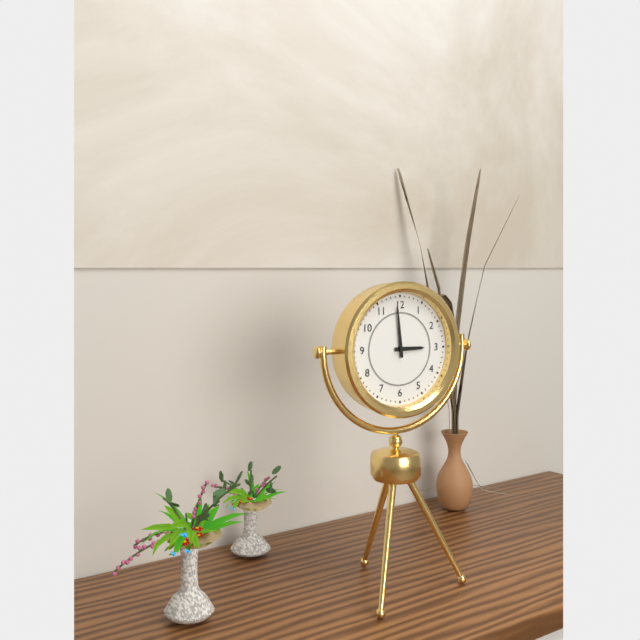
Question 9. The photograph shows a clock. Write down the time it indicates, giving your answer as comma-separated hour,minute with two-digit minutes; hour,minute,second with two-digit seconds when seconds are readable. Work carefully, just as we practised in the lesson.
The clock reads 2,59
